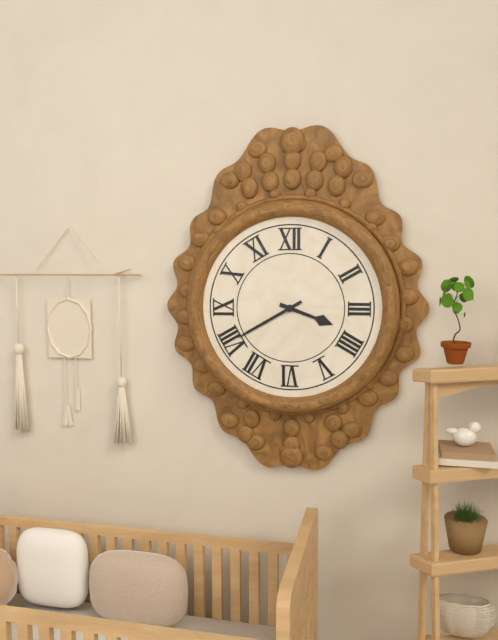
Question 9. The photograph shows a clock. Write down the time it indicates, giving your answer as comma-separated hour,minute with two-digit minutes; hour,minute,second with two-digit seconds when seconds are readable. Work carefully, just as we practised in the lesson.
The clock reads 3,40
